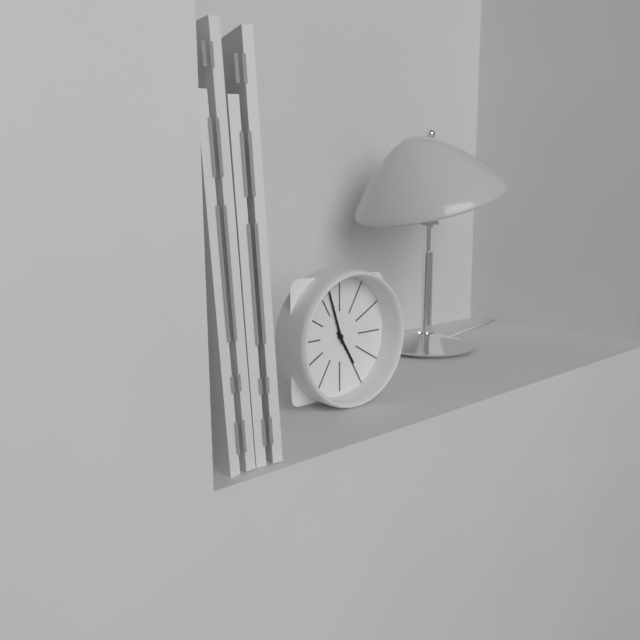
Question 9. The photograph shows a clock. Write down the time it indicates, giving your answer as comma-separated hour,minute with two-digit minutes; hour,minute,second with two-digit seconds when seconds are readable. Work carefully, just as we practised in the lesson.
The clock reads 4,57
